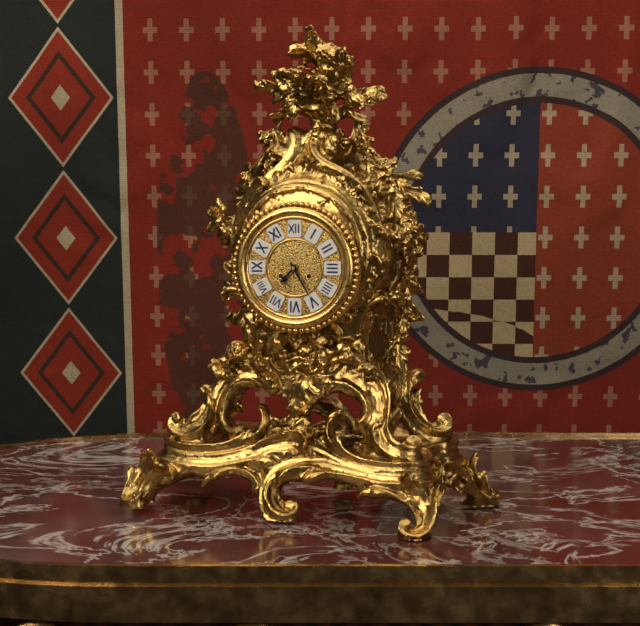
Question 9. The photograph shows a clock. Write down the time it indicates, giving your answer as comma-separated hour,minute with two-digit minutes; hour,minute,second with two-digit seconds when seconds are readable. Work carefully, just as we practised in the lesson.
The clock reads 7,25
